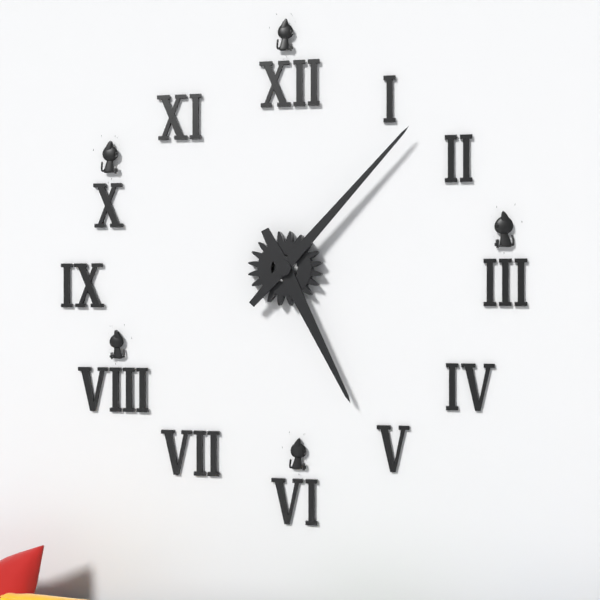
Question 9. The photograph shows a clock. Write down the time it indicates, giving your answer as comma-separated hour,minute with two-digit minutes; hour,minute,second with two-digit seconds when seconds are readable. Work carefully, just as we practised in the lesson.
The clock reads 5,07
